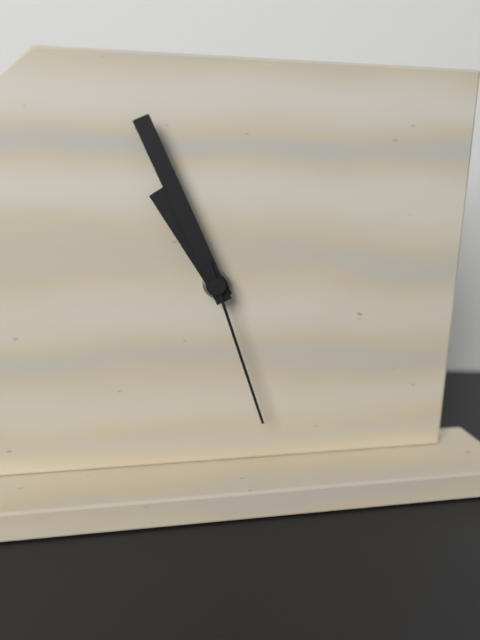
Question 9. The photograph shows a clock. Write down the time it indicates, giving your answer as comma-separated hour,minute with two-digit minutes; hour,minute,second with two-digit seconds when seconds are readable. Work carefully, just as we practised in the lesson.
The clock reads 10,56,27
